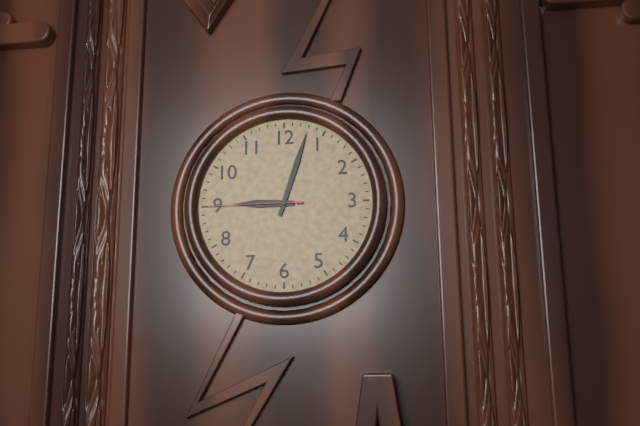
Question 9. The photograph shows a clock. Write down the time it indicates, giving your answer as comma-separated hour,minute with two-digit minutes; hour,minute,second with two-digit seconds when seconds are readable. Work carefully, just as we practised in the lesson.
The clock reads 9,03,45
